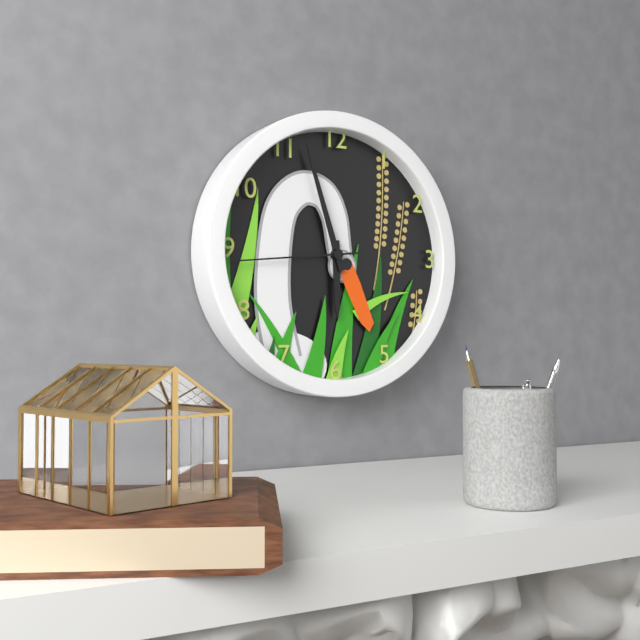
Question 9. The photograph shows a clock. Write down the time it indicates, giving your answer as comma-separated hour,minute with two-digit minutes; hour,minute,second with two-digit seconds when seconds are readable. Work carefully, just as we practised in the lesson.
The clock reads 5,57,44
